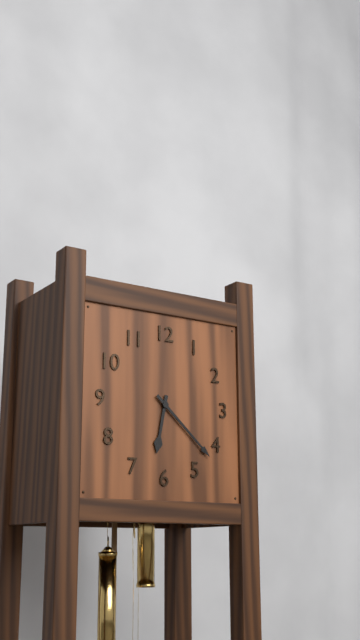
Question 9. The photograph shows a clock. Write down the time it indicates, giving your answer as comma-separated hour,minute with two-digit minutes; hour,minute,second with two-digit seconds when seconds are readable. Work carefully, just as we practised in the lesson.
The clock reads 6,22
